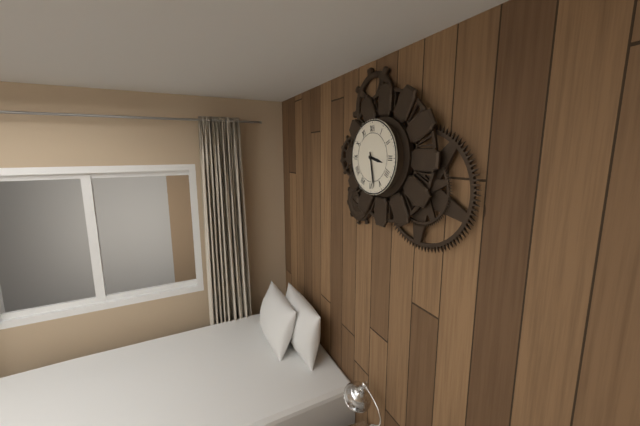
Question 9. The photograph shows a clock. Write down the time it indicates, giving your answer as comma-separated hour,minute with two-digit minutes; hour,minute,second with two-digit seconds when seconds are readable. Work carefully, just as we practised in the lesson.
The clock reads 3,28
